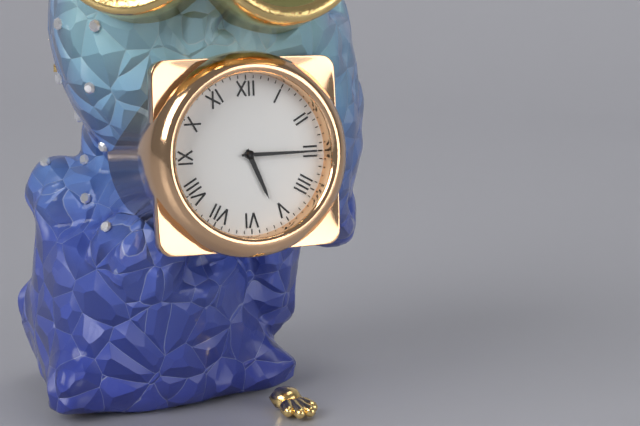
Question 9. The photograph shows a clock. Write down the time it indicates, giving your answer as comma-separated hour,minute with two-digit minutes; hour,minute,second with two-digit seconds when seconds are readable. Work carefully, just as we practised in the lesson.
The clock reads 5,15
